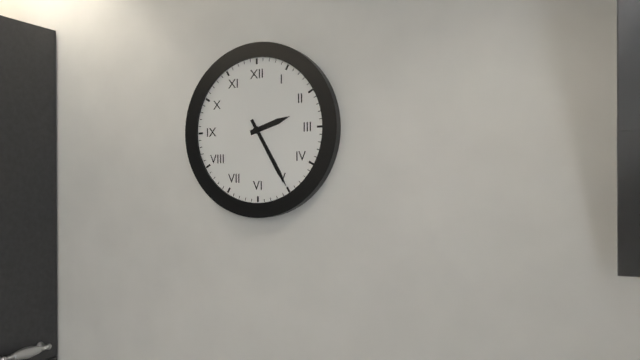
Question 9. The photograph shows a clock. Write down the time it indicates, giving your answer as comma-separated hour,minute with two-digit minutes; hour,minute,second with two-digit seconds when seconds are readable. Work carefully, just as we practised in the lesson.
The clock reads 2,25
